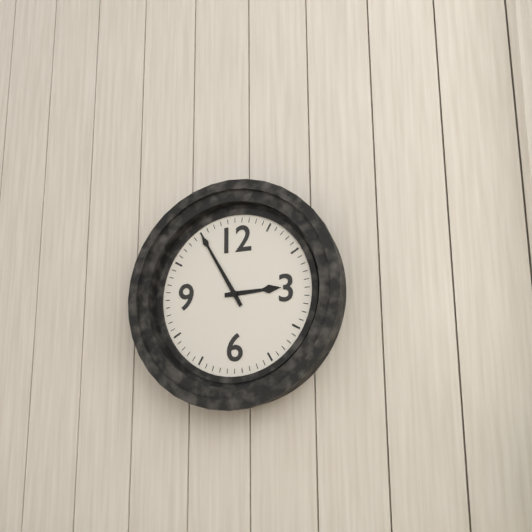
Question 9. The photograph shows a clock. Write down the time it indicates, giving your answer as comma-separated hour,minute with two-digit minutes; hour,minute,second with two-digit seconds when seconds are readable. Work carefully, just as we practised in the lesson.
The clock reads 2,55
